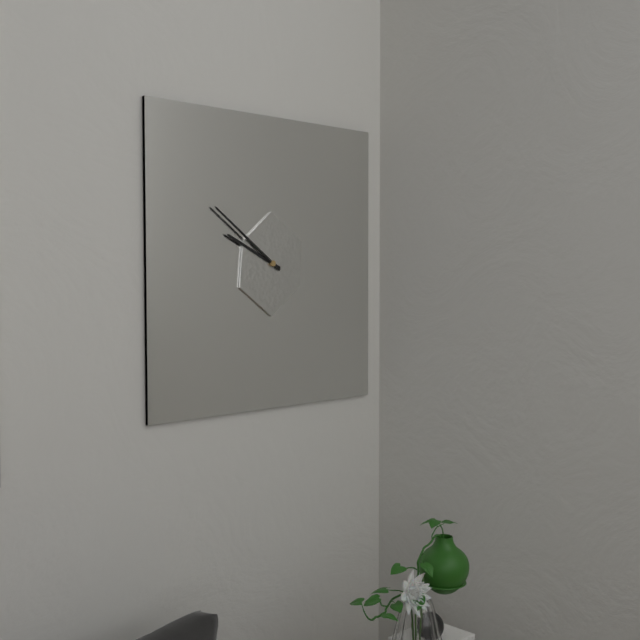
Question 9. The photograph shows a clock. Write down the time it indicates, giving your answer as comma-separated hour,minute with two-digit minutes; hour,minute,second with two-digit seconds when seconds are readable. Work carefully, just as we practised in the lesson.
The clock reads 9,51
